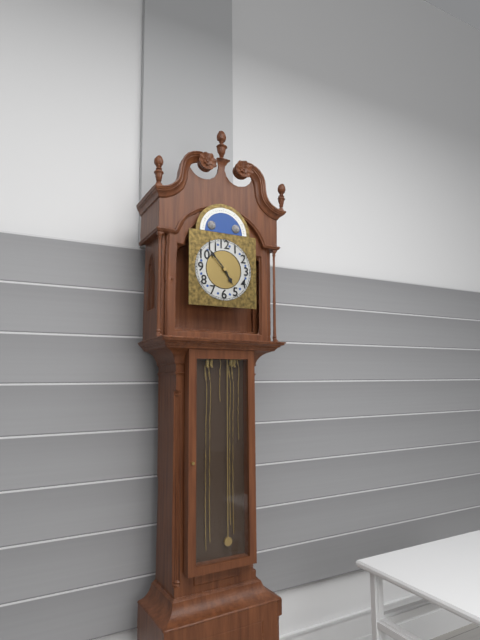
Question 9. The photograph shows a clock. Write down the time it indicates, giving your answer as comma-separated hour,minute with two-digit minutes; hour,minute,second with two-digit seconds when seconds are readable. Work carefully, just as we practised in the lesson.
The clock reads 4,53
